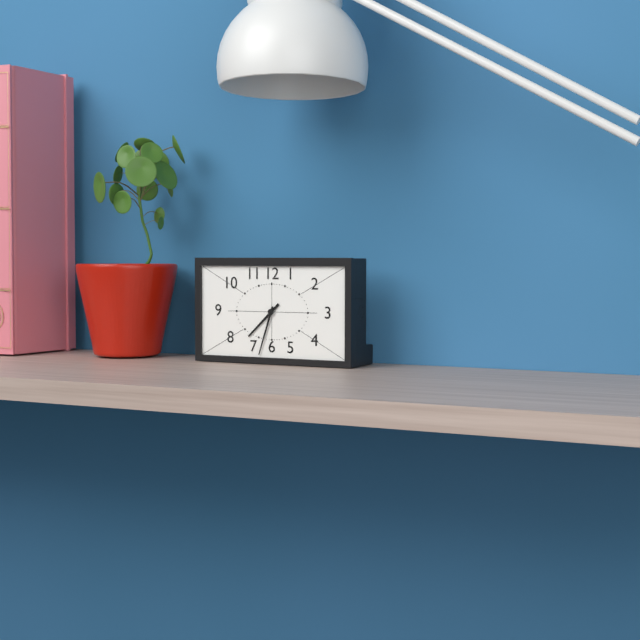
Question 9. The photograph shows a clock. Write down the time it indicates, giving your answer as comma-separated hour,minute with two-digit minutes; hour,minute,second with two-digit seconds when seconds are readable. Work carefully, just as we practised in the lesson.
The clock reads 7,33
